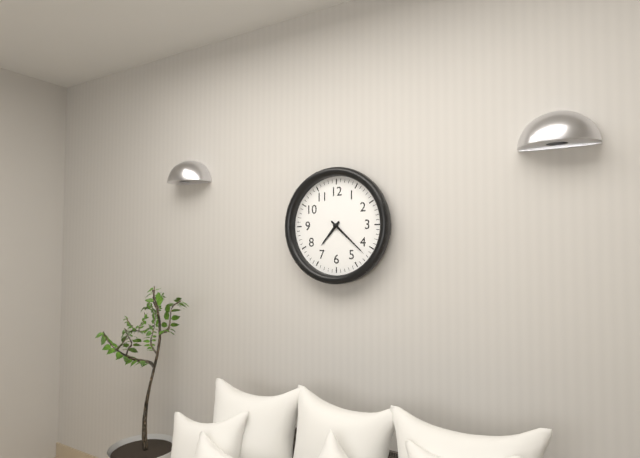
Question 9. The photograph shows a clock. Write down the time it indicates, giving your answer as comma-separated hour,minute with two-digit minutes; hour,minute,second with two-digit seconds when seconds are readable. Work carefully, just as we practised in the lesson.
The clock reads 7,22
